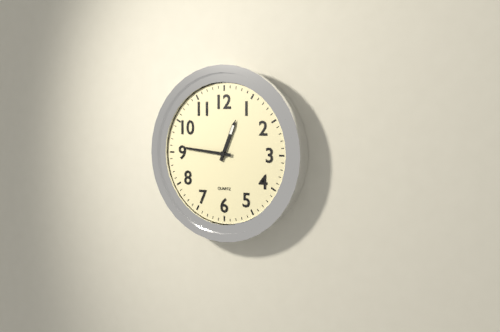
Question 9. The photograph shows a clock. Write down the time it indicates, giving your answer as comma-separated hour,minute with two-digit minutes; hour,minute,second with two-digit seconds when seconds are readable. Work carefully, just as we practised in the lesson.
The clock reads 12,46
